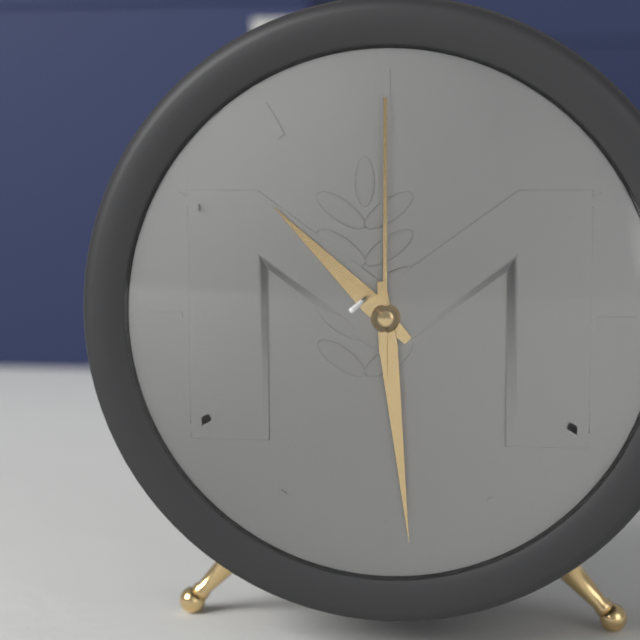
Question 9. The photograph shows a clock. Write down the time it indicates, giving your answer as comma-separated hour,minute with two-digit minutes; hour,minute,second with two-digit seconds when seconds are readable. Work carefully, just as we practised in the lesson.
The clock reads 10,29,00
